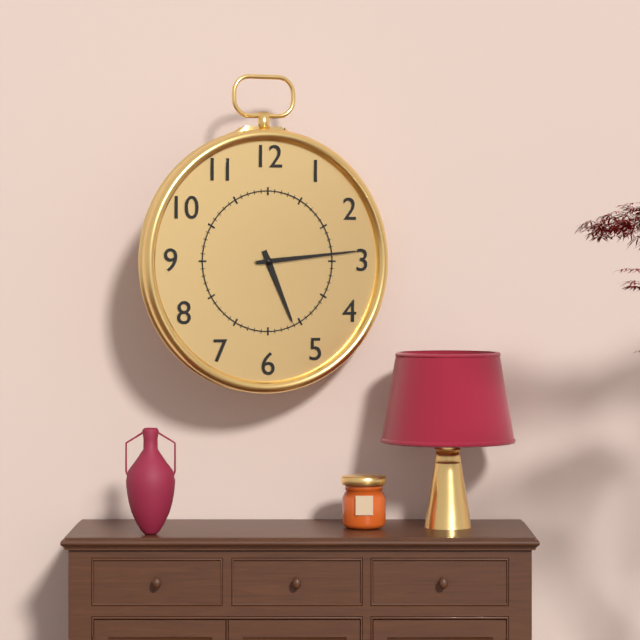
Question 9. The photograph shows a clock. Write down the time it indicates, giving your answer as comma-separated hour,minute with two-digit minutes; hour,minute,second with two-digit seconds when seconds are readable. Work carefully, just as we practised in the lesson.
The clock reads 5,14
